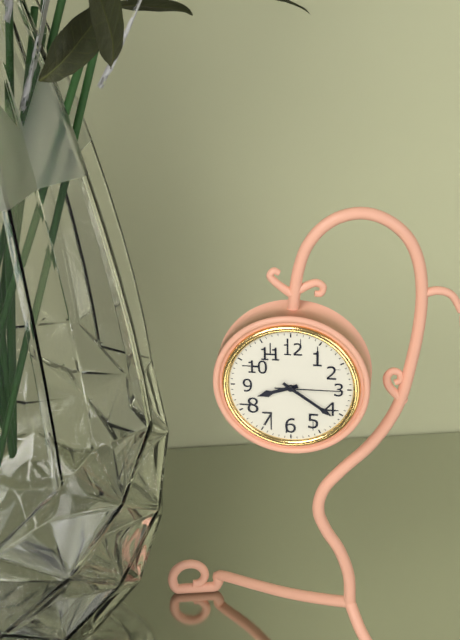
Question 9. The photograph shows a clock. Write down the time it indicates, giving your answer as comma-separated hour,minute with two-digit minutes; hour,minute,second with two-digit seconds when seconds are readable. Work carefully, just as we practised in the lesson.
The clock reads 8,21,15
